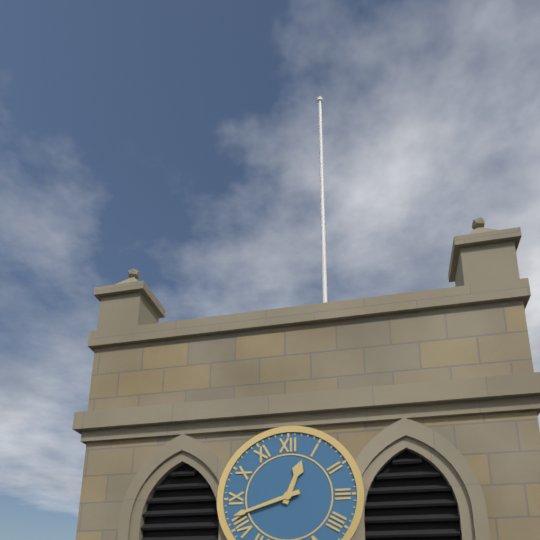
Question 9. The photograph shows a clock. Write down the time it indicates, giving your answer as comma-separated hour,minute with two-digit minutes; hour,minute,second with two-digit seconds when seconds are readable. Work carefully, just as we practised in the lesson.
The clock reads 12,42
